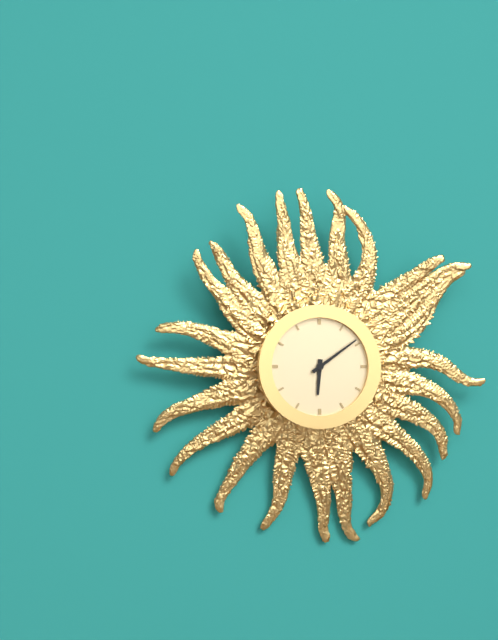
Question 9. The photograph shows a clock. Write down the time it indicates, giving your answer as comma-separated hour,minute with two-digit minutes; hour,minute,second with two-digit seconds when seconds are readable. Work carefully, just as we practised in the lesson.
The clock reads 6,09
